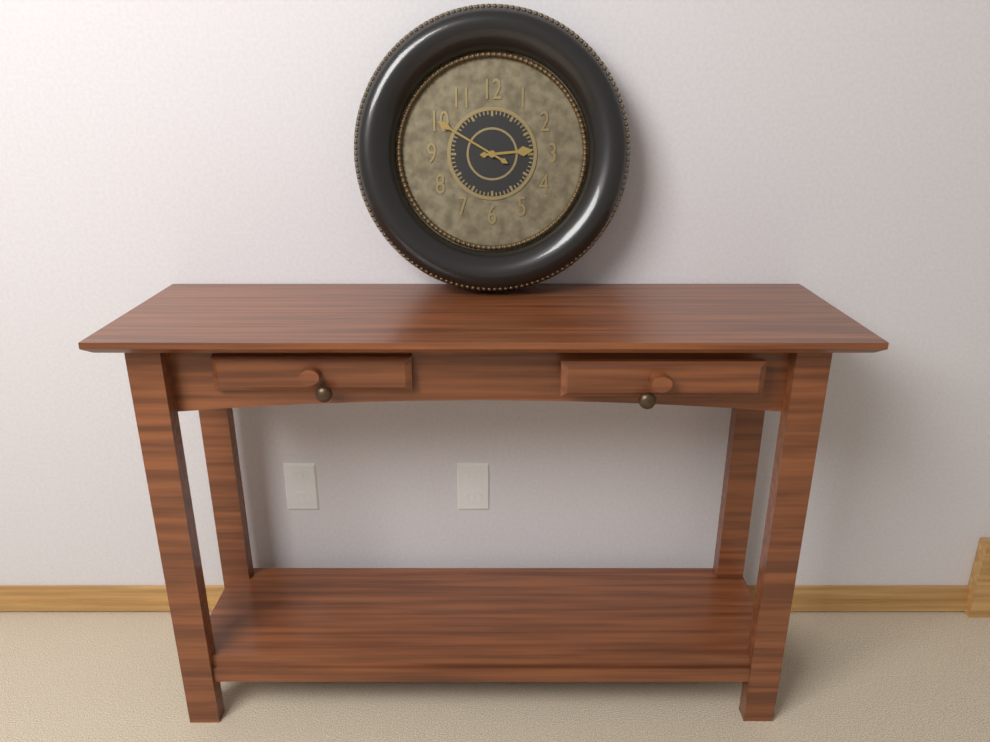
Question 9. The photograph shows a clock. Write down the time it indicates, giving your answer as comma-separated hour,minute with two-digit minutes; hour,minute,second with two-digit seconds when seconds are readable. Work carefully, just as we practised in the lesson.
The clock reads 2,50
